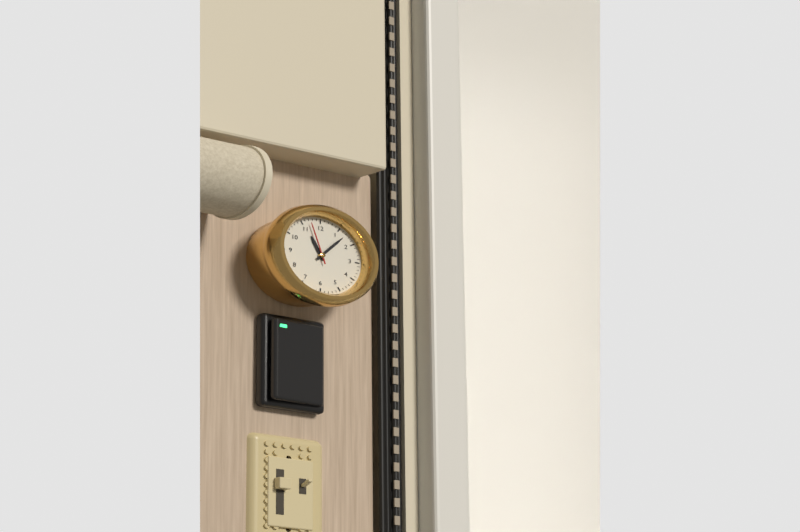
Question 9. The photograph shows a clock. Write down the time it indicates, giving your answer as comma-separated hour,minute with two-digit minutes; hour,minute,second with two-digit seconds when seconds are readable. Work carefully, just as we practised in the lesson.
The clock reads 11,07
